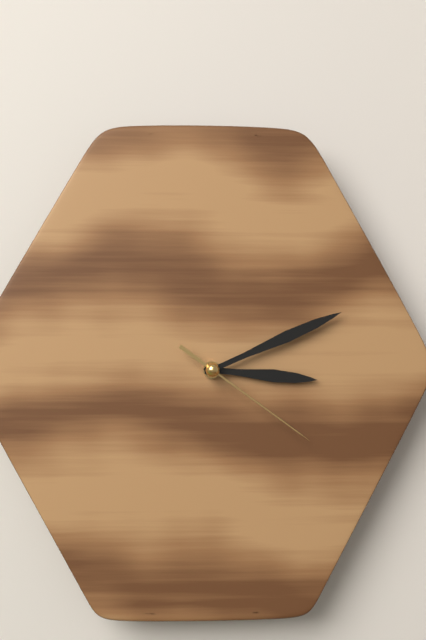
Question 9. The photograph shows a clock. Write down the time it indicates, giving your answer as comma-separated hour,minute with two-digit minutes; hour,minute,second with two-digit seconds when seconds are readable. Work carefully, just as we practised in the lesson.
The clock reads 3,11,21
